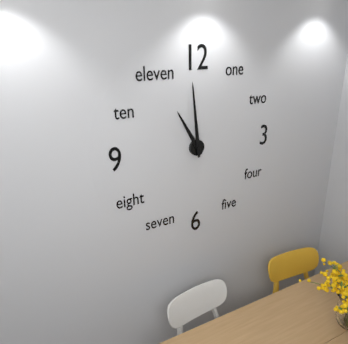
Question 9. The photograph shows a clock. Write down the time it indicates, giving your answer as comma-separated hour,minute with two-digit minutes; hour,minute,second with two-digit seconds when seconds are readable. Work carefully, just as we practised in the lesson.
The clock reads 10,59
